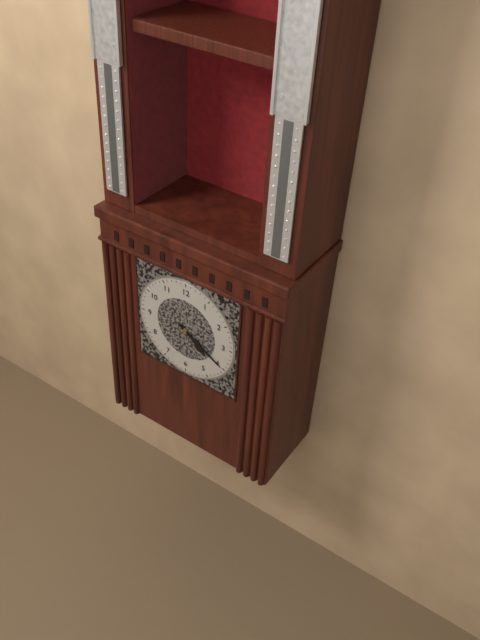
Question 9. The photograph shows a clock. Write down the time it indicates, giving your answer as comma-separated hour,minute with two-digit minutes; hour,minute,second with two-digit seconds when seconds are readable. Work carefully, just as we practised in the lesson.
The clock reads 4,20
